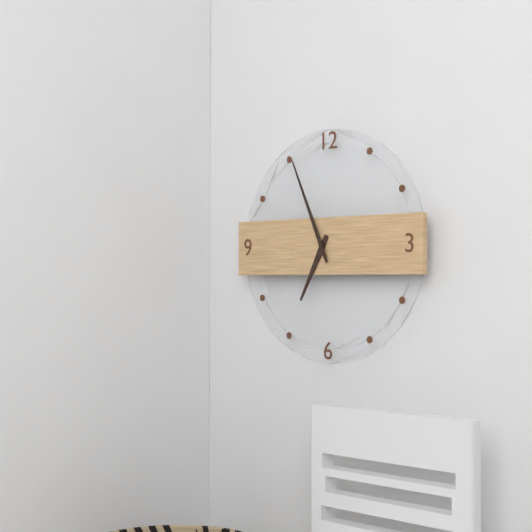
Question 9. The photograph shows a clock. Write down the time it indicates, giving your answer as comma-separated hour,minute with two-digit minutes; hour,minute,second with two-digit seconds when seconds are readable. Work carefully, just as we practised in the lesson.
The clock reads 6,56
